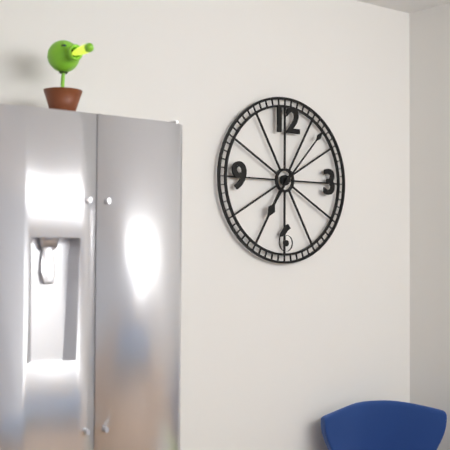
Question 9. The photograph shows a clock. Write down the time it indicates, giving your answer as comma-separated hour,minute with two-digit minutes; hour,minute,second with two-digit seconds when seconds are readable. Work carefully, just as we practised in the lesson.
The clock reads 7,07
